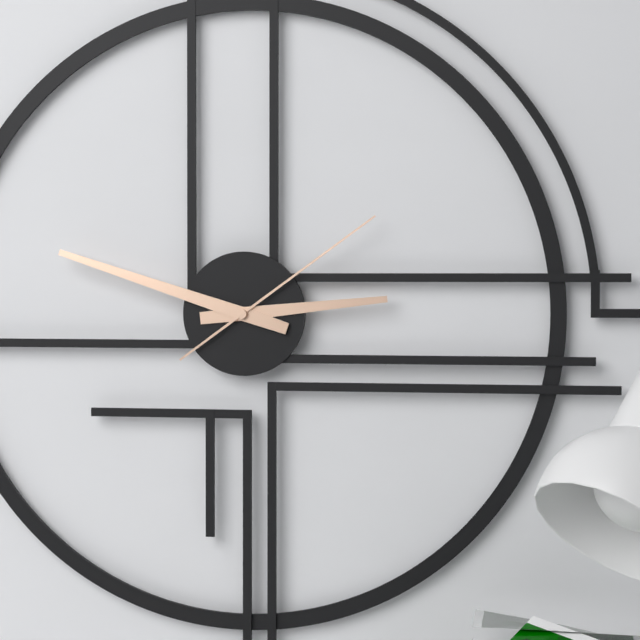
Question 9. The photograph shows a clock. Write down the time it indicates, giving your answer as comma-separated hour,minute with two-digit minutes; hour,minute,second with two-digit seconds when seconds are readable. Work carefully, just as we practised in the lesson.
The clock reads 2,48,09
